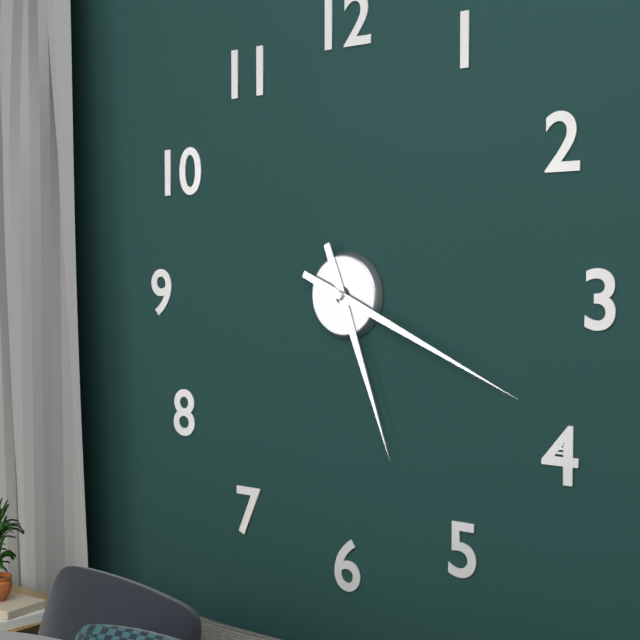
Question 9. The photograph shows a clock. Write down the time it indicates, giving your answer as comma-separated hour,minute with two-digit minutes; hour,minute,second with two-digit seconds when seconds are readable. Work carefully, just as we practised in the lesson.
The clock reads 5,19
